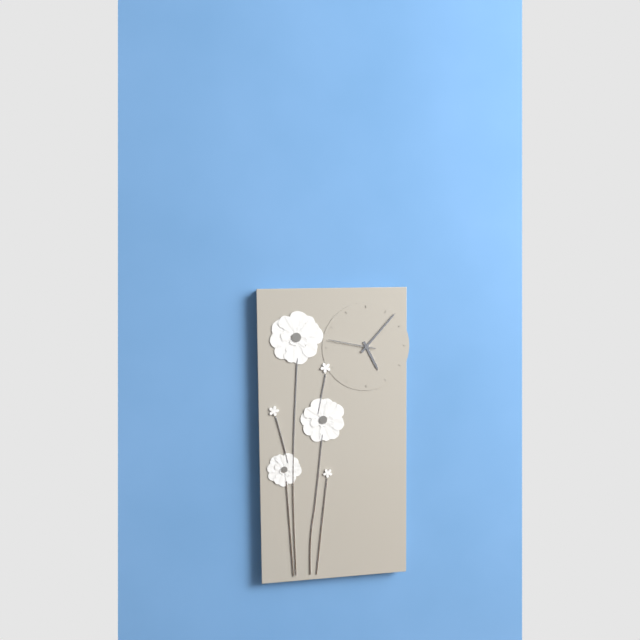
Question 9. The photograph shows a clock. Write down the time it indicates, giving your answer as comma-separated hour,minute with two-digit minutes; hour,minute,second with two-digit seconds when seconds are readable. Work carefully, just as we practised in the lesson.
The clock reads 5,07
